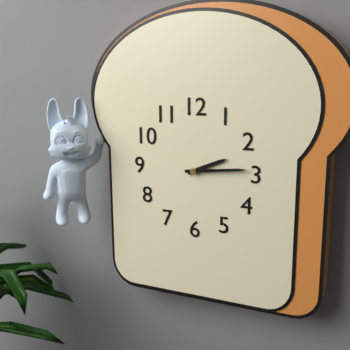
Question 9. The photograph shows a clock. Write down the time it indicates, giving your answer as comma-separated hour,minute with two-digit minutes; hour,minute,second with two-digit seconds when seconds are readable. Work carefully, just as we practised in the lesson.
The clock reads 2,14
